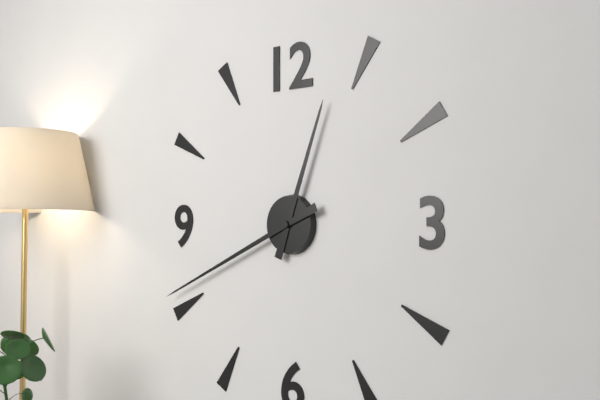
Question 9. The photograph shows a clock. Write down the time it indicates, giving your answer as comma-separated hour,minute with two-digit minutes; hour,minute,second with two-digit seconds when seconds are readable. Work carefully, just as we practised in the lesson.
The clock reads 12,41
